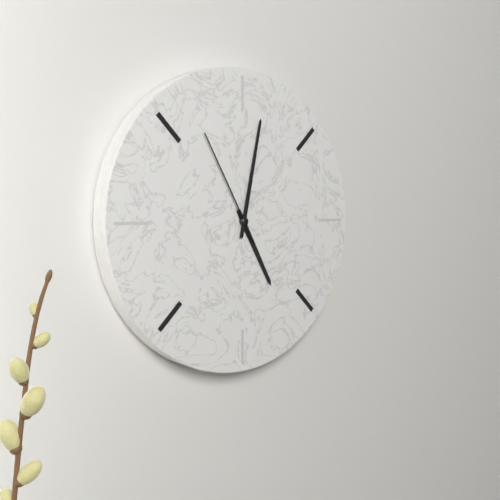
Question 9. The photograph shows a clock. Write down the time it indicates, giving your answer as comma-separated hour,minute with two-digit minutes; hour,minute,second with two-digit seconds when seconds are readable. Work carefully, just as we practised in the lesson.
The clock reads 5,02,55
